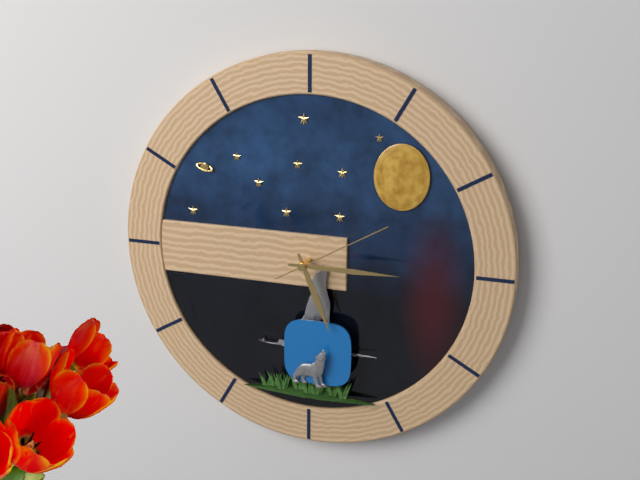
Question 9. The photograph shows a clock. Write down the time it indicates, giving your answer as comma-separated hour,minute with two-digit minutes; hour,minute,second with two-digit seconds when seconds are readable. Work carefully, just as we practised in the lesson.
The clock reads 5,15,10
